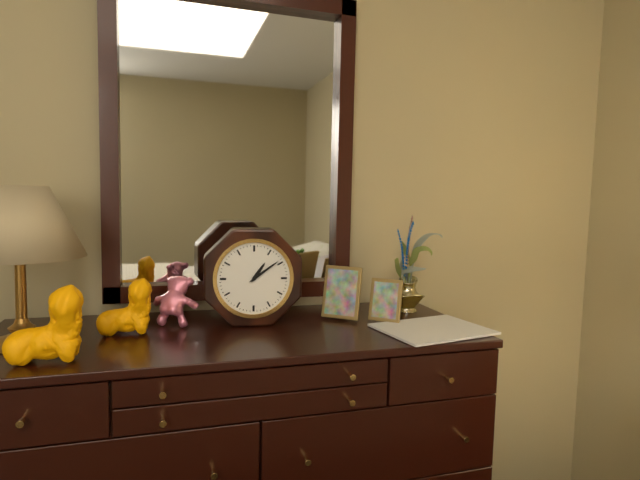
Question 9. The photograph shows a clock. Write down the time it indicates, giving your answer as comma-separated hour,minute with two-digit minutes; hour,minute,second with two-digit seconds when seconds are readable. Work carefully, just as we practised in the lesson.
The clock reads 1,09
